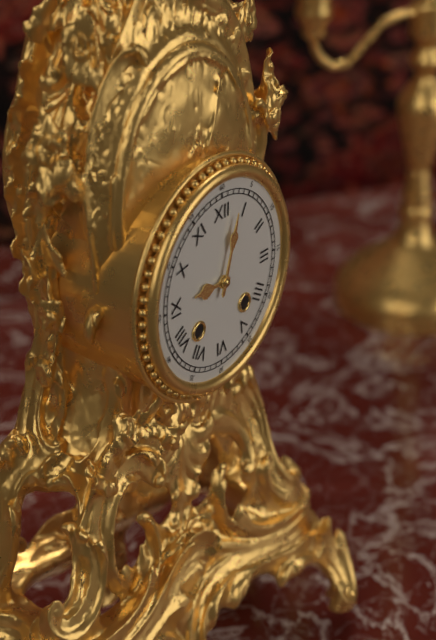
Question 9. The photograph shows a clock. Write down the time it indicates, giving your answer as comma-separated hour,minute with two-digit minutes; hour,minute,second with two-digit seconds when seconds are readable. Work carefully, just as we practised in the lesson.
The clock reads 9,03
